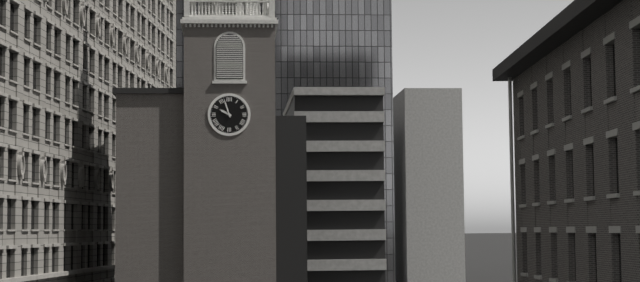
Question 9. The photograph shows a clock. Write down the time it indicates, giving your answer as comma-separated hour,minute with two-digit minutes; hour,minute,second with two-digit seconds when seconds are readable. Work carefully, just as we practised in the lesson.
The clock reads 9,57
